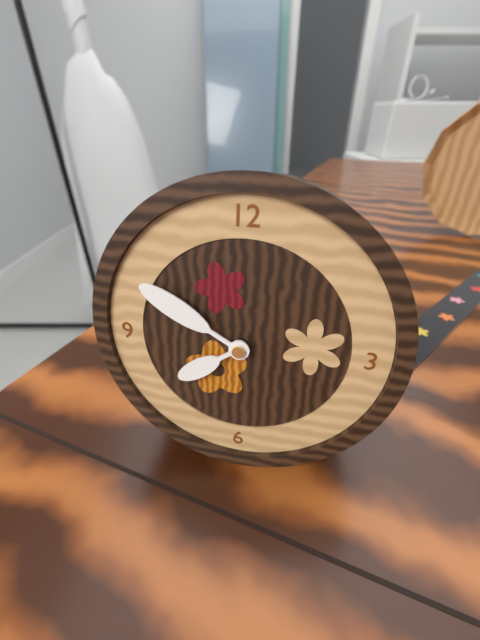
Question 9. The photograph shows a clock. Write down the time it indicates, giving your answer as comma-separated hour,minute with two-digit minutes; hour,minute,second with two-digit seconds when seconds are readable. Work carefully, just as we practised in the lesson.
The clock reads 7,50
